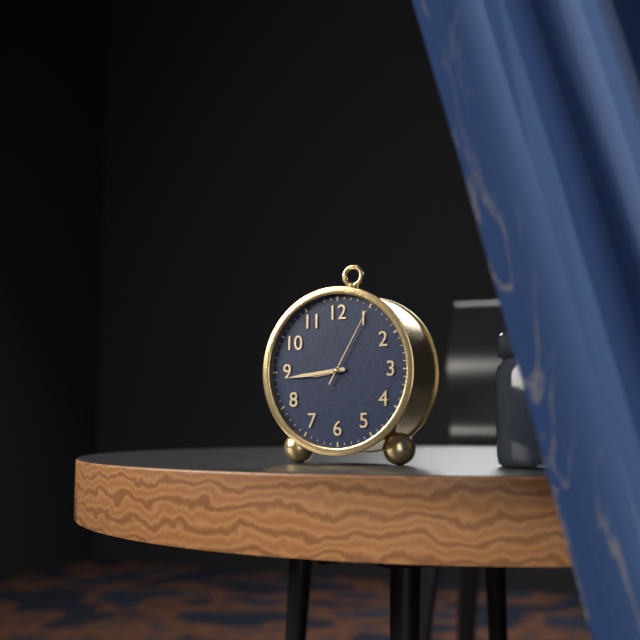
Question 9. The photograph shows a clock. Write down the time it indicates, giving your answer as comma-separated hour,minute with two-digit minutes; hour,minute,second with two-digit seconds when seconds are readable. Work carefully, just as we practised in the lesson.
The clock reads 8,44,05
